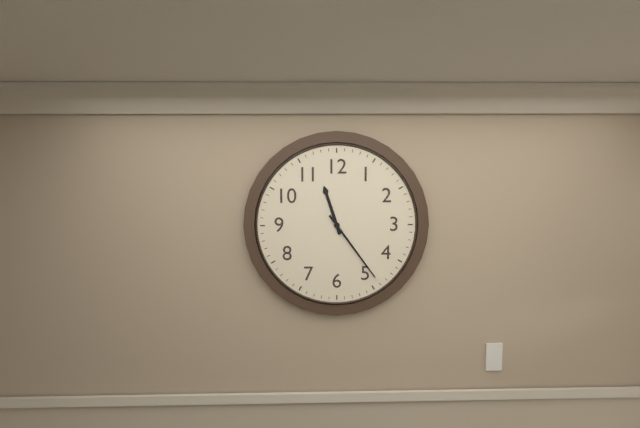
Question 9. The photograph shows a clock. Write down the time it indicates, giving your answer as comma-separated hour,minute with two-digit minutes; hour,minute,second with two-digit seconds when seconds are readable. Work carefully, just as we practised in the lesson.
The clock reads 11,24
